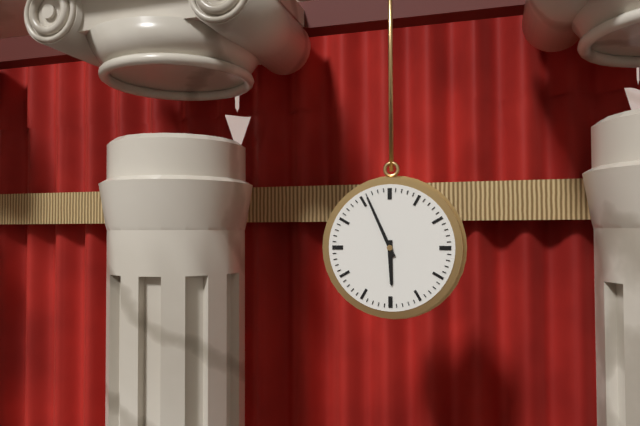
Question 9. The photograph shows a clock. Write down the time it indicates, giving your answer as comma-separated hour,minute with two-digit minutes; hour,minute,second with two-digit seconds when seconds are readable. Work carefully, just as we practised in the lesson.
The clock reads 5,56
